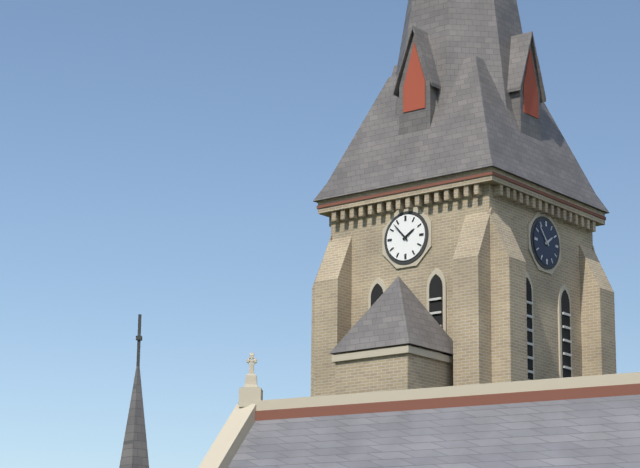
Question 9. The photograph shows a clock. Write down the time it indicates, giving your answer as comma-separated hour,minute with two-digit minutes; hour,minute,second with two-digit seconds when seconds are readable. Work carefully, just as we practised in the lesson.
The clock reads 1,53
